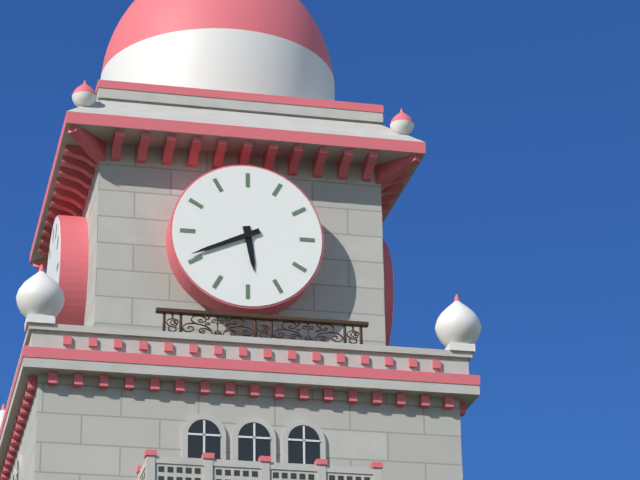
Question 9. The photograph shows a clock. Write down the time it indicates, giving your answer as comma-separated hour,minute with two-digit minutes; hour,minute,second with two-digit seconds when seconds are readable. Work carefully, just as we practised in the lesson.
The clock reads 5,41
